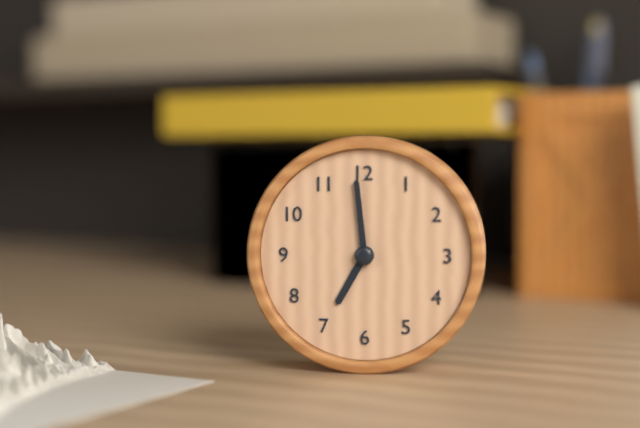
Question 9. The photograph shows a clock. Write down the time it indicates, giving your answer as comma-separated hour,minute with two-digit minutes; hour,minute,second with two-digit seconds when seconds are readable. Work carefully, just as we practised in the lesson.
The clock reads 6,59
